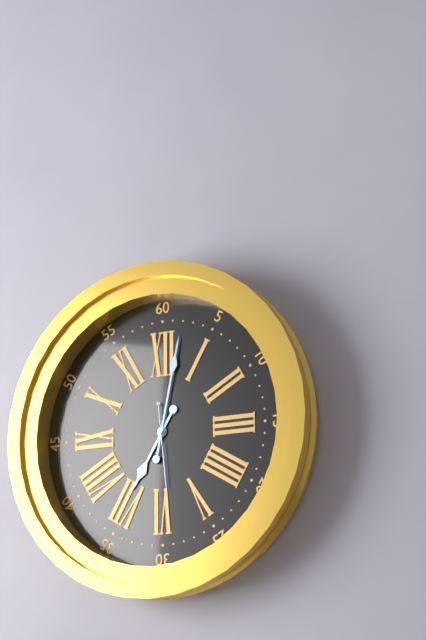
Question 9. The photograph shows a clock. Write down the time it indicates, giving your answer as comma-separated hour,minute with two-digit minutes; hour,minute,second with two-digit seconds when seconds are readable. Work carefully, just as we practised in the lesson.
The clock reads 7,02,29
